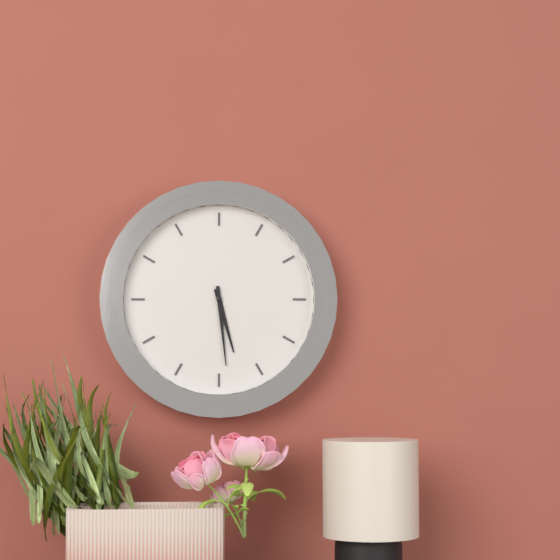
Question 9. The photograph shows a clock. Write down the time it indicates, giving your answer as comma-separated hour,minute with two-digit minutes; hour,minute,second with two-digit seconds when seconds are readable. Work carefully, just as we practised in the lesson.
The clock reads 5,29
